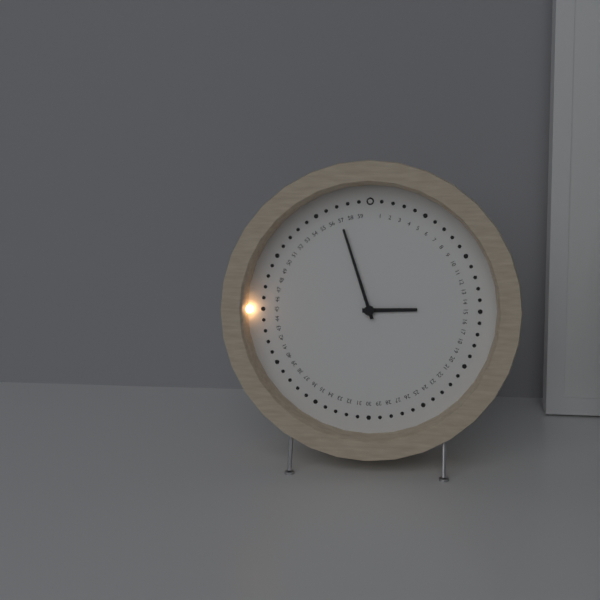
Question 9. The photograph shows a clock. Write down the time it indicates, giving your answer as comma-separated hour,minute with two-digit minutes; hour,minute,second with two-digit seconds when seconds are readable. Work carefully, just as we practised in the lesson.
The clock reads 2,57
